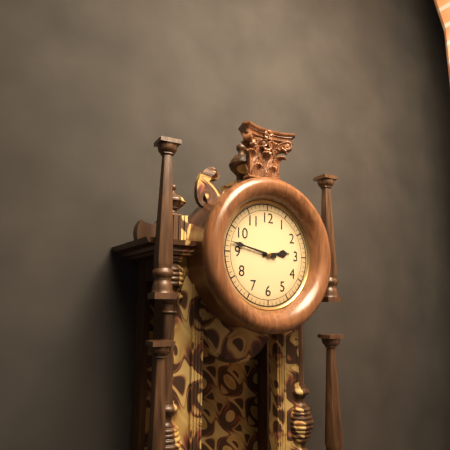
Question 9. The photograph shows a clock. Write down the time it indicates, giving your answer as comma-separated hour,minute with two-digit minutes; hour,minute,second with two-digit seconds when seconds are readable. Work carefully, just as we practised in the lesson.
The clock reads 2,47
